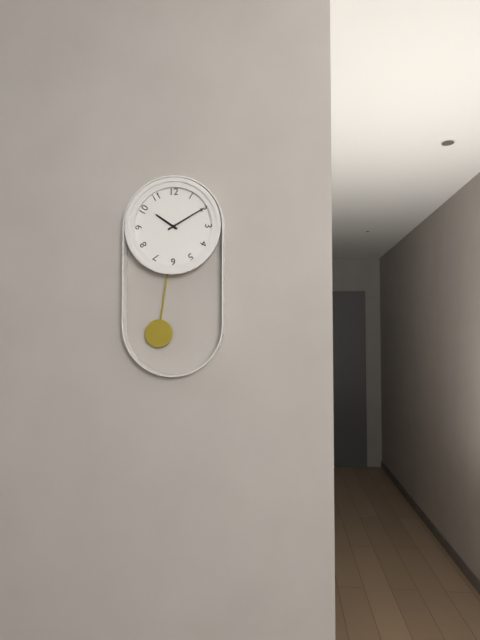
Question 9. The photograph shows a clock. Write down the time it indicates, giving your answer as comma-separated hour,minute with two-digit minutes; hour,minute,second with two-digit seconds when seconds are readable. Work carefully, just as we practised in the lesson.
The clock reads 10,10
